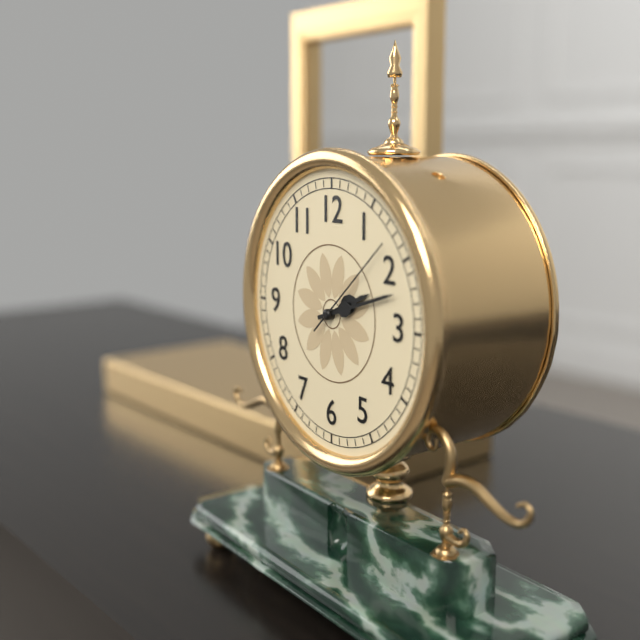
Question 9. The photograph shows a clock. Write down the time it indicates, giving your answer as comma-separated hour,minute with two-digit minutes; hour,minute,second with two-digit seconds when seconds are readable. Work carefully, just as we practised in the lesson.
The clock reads 2,12,08
